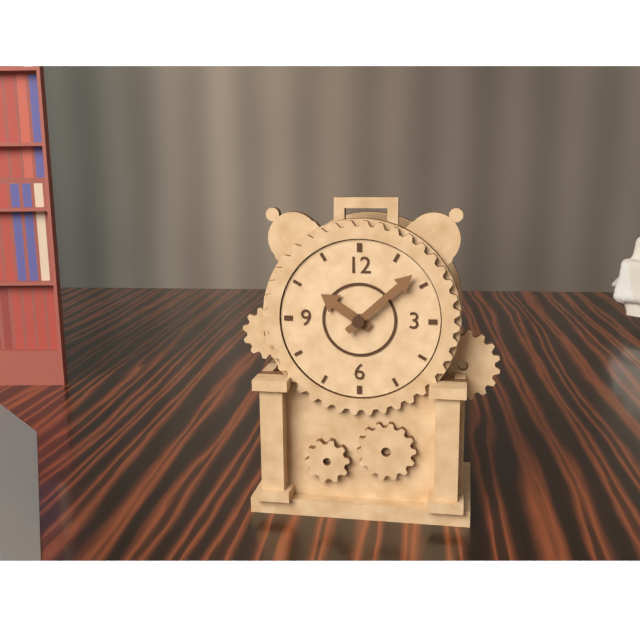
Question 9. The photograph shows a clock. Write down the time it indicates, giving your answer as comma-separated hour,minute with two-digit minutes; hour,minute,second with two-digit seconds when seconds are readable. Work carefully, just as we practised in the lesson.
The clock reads 10,08
